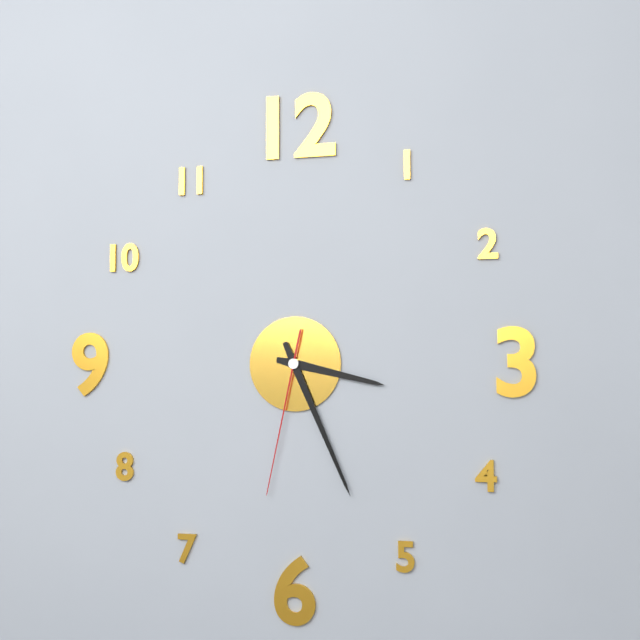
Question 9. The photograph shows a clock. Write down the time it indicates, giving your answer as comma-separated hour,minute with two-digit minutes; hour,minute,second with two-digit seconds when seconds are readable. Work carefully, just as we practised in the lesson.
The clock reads 3,26,32
